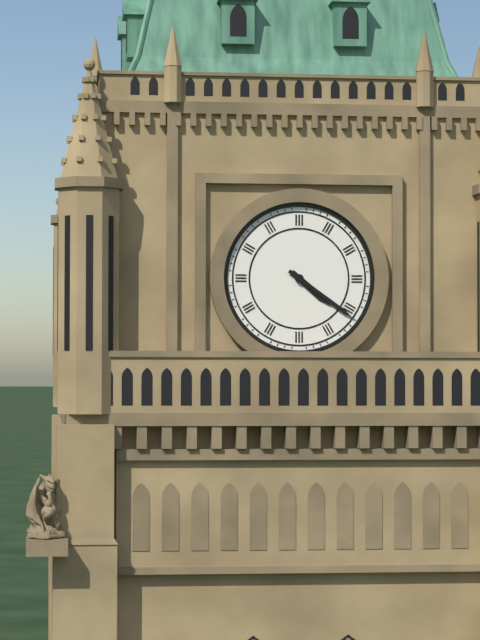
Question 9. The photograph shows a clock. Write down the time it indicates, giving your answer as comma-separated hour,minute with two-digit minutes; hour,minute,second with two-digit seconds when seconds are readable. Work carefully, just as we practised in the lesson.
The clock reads 4,21
